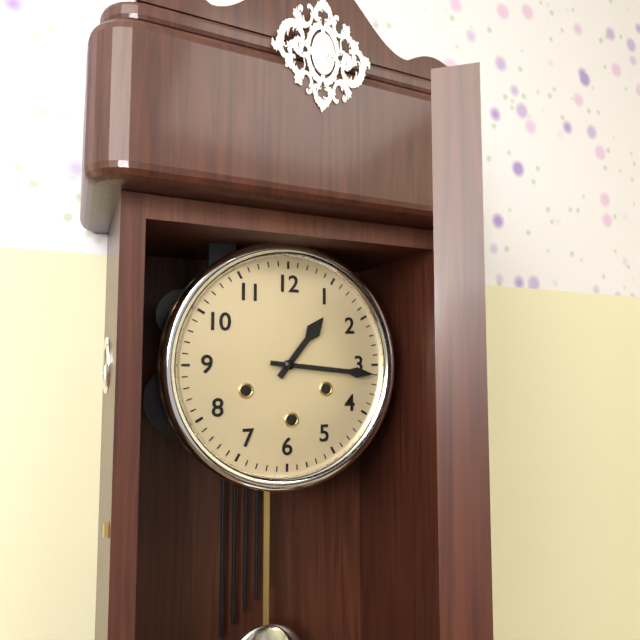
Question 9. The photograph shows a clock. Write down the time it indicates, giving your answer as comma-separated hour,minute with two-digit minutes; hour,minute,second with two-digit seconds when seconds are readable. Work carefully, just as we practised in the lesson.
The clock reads 1,16
